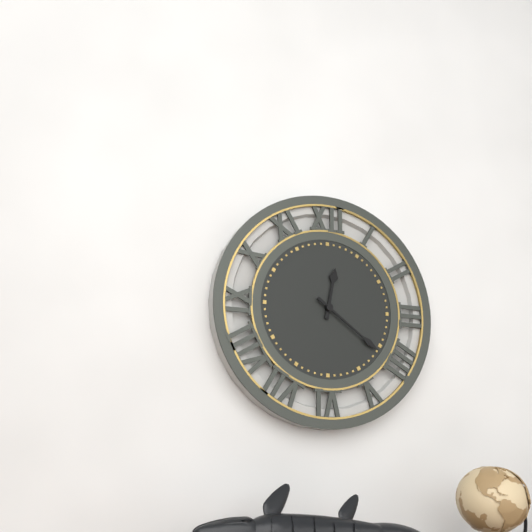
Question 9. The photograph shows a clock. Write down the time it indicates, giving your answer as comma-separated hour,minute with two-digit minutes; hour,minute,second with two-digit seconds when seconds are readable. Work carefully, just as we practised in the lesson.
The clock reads 12,21
